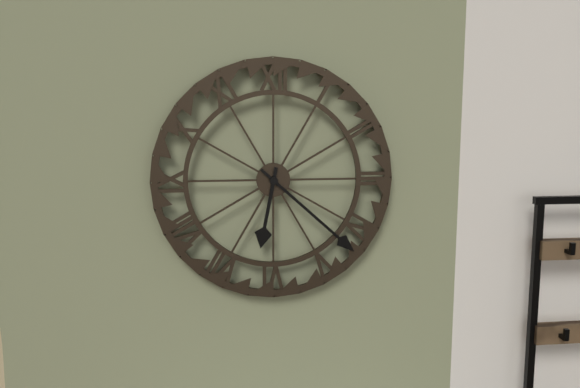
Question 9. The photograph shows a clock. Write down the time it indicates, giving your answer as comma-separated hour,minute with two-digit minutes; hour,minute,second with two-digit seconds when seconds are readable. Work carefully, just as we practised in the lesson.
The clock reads 6,22
